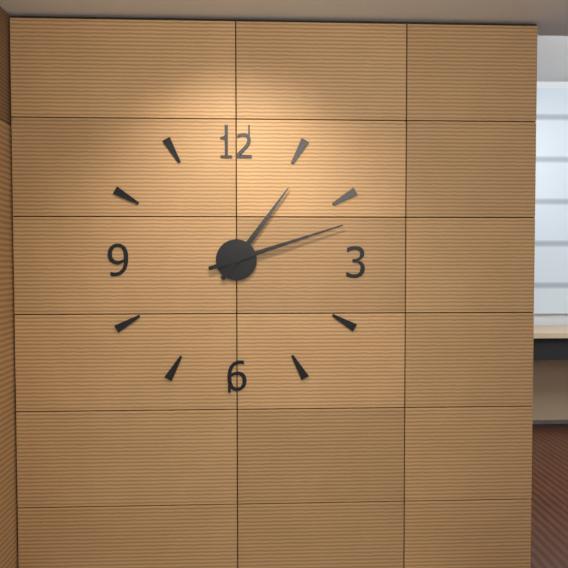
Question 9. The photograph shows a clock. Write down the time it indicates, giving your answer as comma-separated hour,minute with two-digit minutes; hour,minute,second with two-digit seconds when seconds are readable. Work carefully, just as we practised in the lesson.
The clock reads 1,12
